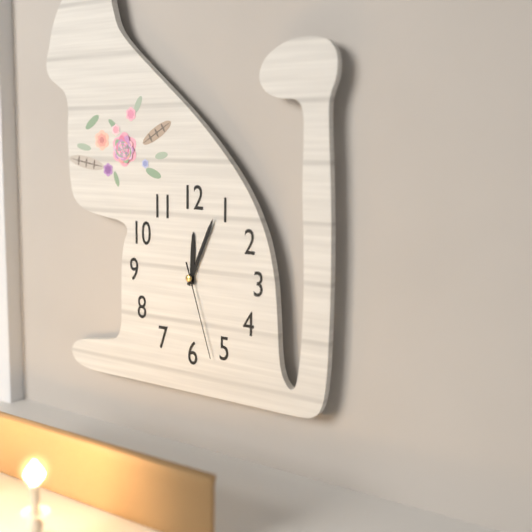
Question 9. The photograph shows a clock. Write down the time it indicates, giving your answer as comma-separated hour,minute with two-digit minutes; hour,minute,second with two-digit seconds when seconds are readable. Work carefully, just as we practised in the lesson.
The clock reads 12,04,27
